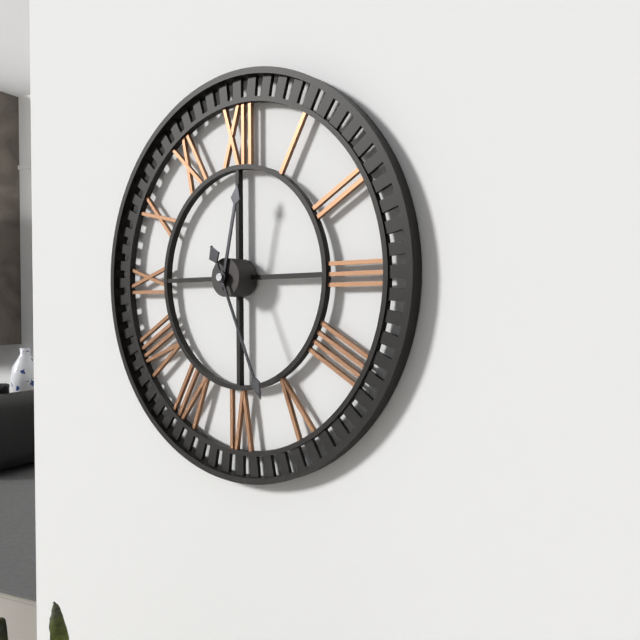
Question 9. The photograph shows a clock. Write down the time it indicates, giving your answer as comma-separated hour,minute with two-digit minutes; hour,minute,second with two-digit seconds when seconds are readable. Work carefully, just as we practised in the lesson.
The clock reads 12,26
